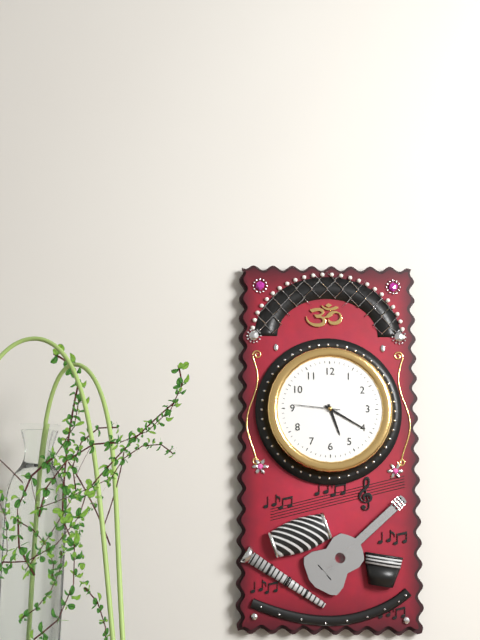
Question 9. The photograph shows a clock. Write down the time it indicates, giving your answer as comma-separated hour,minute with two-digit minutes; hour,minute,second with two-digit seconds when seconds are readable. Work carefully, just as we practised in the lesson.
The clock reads 5,20
